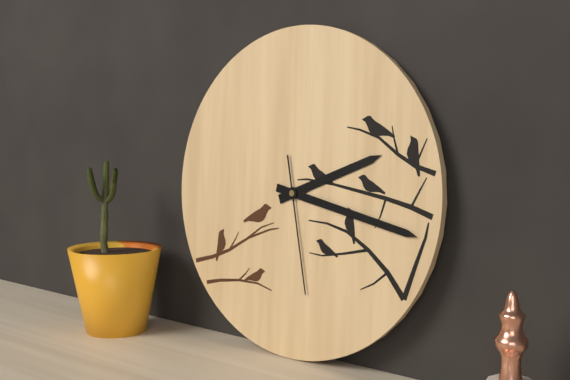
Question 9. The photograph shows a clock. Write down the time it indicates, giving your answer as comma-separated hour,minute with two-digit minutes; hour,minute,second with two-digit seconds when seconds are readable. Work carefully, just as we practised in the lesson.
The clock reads 2,17,28
